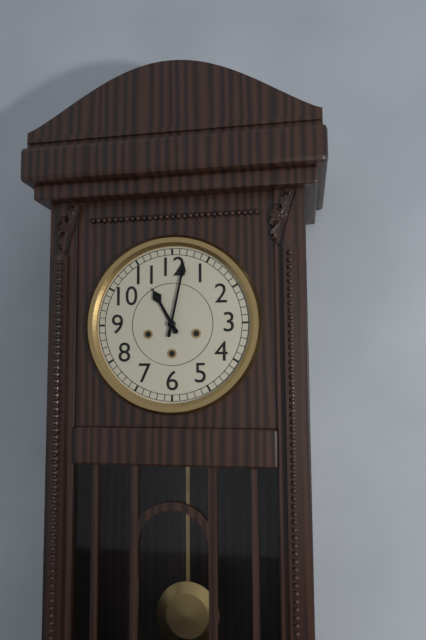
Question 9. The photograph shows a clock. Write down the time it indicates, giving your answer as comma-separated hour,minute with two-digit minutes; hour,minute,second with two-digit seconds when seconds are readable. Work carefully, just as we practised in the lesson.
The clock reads 11,02
